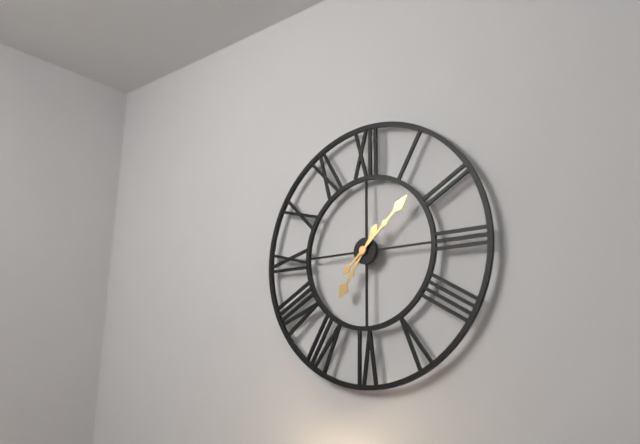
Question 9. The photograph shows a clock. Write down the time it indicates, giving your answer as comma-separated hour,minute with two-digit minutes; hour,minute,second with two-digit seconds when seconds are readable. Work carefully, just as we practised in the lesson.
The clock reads 7,08
